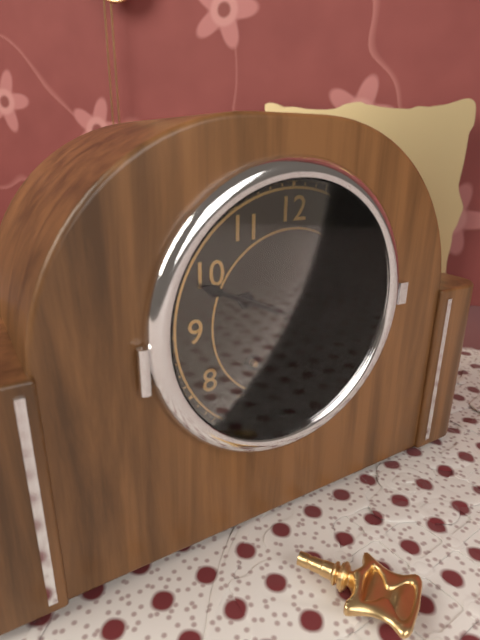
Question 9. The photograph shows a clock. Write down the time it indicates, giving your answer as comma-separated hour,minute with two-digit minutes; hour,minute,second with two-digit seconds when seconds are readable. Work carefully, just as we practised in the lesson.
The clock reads 9,49
